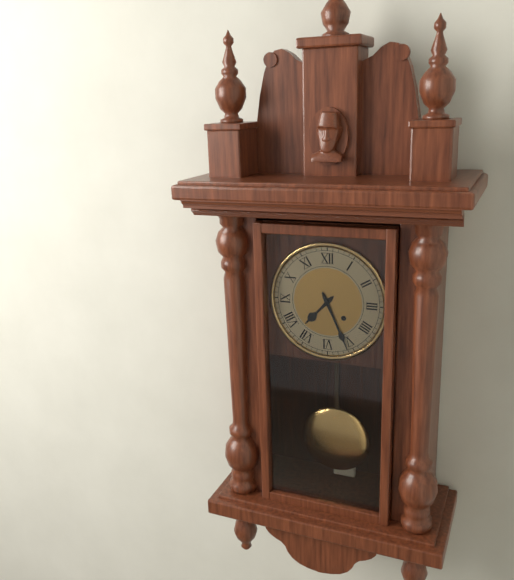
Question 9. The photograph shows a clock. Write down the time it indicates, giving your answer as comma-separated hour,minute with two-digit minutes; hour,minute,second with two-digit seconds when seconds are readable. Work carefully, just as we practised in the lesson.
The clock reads 7,26
